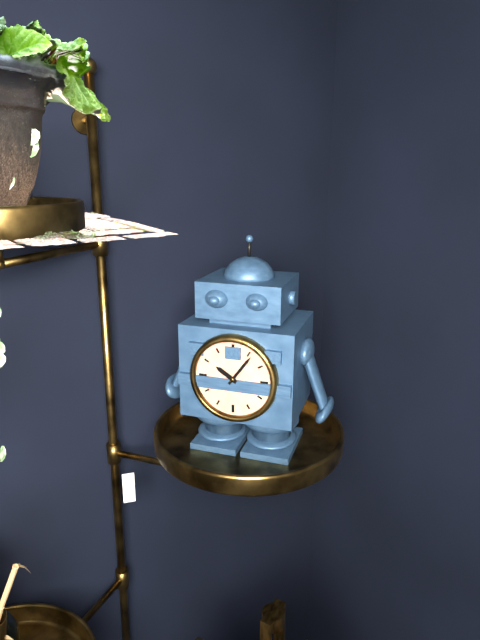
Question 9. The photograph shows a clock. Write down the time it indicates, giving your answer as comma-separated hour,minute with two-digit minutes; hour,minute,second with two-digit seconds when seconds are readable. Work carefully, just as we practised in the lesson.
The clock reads 10,06
